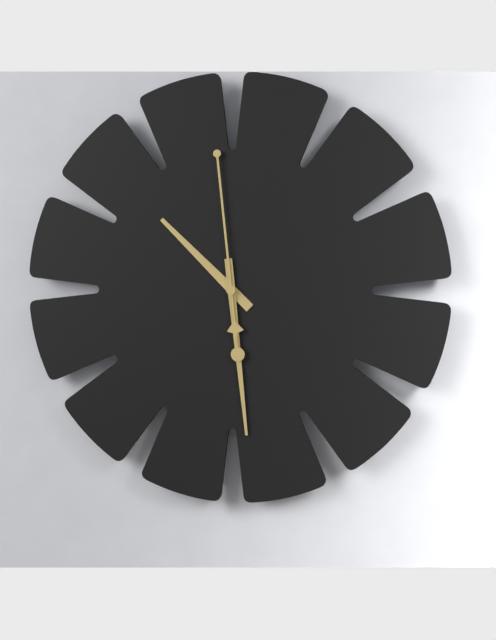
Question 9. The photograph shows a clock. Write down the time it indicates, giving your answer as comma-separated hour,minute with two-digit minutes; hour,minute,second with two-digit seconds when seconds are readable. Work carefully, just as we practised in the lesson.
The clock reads 10,29,59
